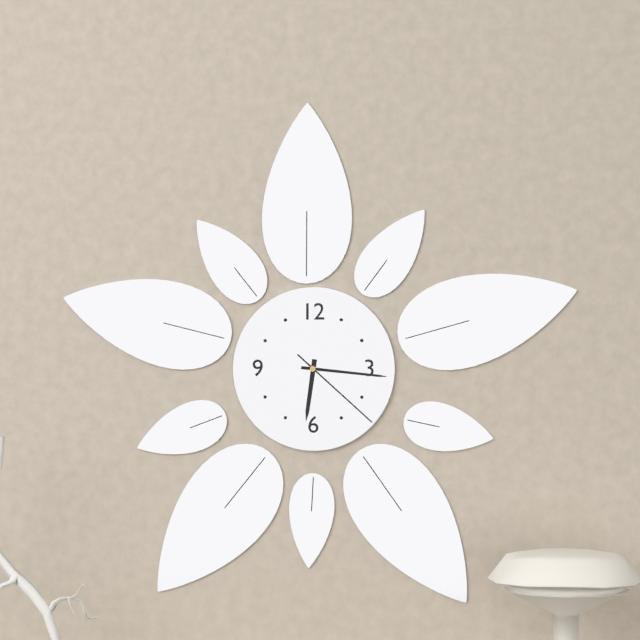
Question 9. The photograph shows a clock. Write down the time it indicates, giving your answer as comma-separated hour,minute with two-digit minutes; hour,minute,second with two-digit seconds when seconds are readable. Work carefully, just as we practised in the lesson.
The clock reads 6,16,22
